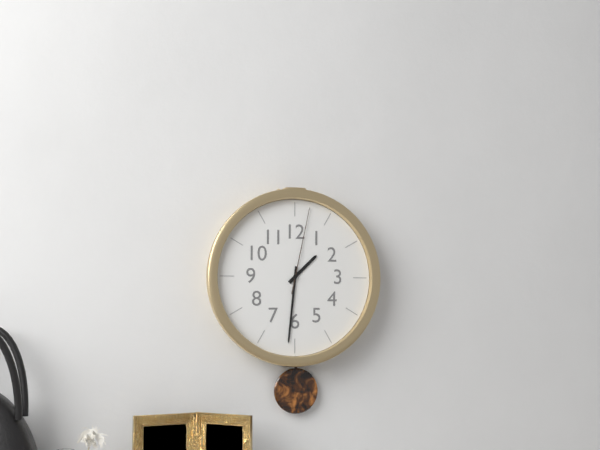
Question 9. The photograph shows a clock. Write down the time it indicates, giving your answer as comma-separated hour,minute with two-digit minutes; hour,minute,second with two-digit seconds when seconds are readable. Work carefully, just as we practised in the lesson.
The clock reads 1,31,02
